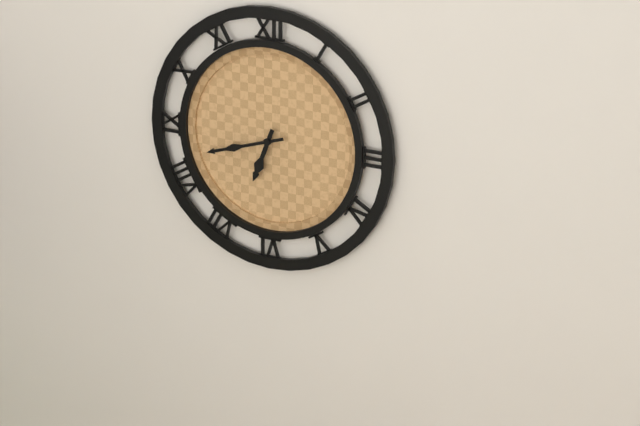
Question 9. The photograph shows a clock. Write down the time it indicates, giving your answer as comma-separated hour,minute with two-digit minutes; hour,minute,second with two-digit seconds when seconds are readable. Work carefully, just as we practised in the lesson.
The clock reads 6,42
